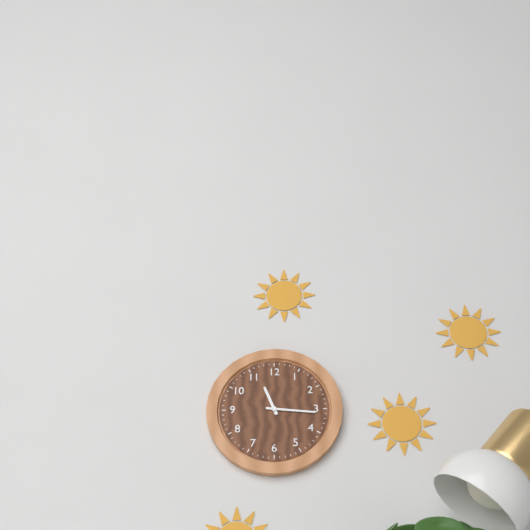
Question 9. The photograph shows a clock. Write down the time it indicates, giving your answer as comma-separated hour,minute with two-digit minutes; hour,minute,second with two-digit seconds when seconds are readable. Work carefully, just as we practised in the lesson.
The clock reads 11,16
